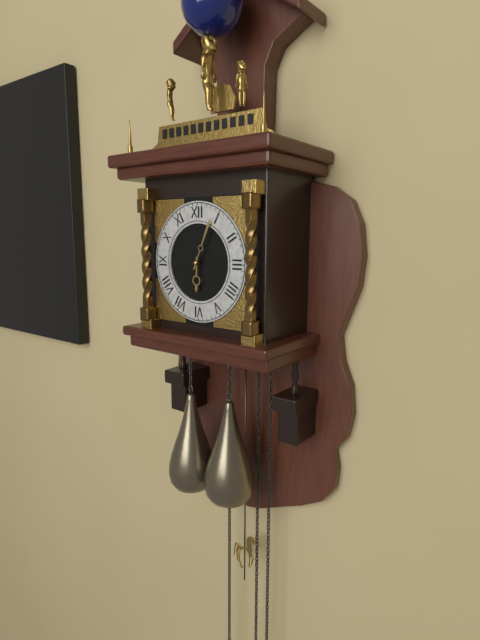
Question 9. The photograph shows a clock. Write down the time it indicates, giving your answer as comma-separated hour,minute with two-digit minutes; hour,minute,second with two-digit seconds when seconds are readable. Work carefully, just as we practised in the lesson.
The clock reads 6,04
